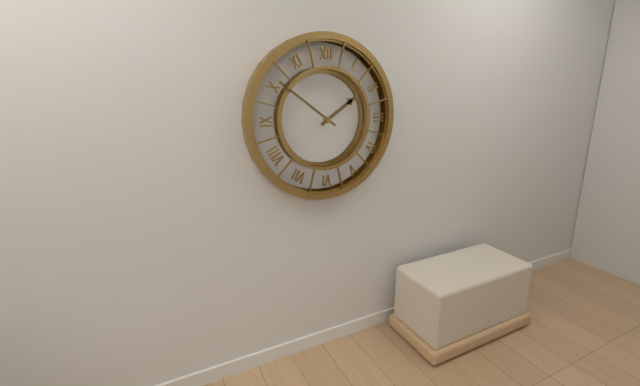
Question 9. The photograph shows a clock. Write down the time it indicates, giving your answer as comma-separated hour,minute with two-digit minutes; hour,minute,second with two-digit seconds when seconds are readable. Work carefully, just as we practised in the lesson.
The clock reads 1,51
